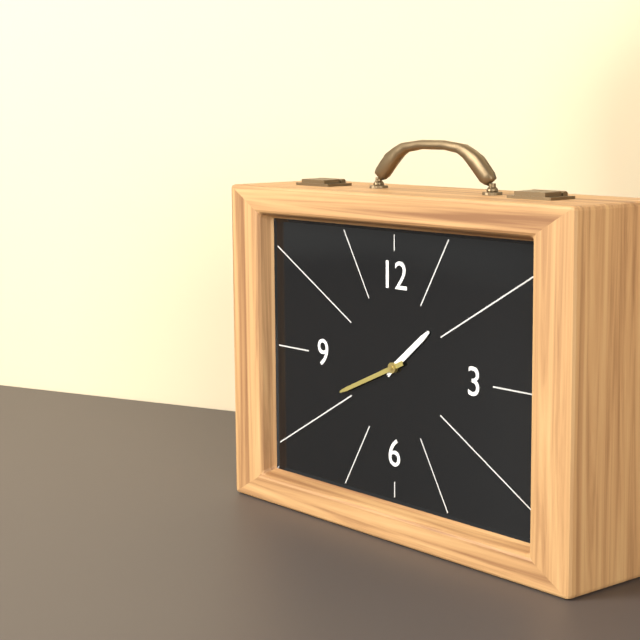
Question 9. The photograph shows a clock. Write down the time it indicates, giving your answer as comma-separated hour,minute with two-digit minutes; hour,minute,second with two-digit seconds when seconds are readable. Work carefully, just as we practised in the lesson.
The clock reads 1,41
